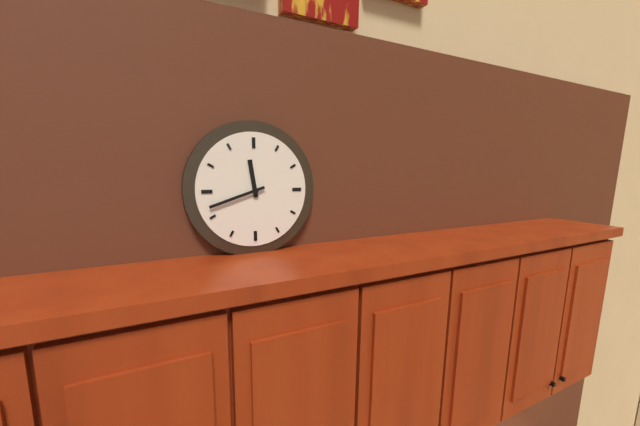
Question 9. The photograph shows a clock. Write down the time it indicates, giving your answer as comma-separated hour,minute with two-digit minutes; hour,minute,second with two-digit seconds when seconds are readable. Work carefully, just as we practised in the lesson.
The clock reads 11,42
